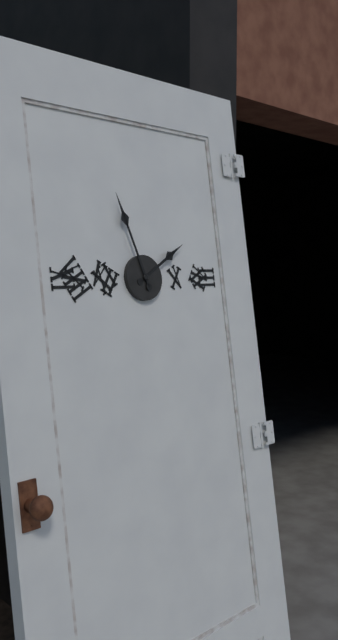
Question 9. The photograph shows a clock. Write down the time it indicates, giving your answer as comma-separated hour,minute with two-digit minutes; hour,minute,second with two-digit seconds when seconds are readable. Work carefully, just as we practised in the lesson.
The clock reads 1,57
